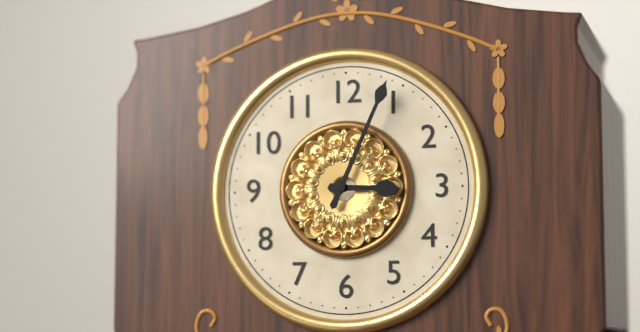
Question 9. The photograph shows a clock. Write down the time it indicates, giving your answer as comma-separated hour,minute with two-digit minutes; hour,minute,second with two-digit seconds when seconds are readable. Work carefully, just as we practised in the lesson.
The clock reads 3,04
